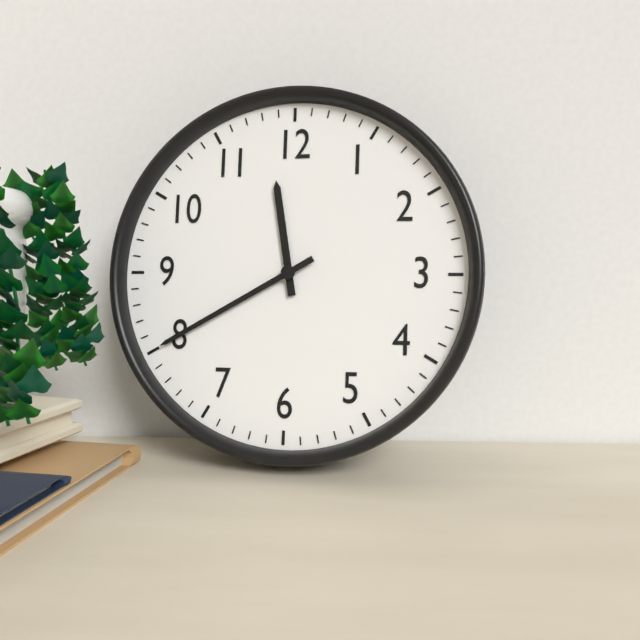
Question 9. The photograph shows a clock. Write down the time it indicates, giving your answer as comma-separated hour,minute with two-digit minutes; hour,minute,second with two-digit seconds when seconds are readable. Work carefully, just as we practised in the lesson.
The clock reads 11,40
